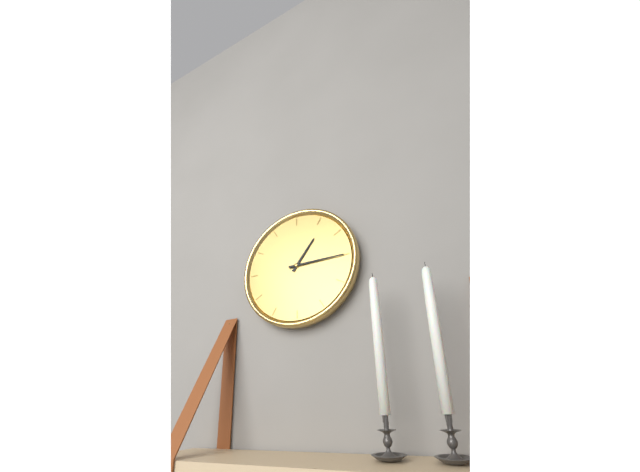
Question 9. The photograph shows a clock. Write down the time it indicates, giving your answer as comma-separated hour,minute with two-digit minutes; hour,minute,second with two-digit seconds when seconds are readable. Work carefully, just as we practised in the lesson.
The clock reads 1,15
